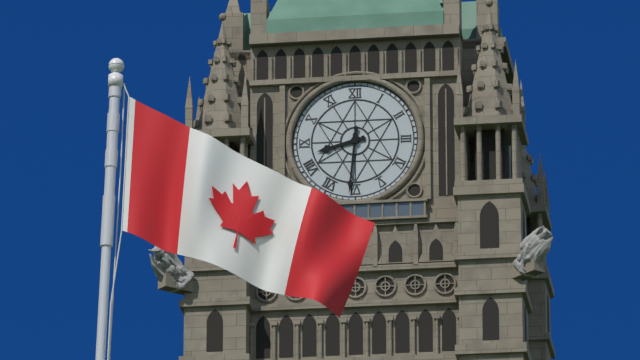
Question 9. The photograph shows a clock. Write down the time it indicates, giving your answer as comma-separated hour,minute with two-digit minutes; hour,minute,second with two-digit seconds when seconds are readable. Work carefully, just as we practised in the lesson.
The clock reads 8,31
